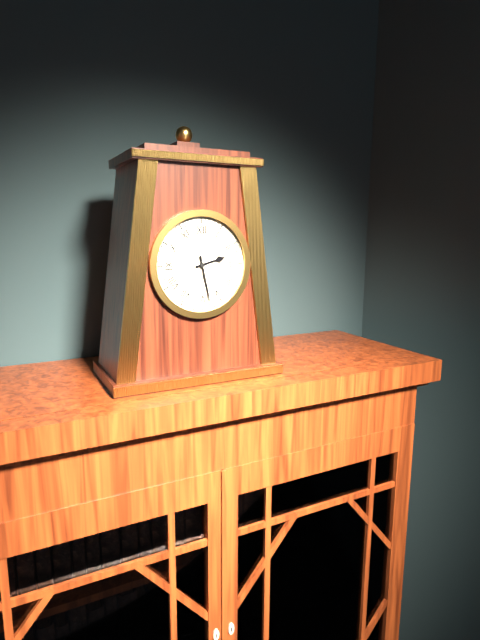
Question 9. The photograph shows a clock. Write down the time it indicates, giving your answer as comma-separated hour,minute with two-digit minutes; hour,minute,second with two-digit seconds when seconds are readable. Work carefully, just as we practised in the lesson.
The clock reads 2,28
